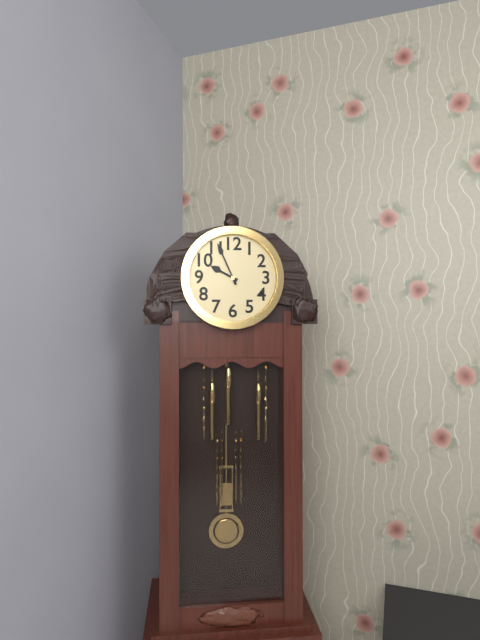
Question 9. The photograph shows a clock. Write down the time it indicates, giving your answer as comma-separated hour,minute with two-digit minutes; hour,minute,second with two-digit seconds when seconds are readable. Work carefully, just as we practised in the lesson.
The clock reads 9,56
